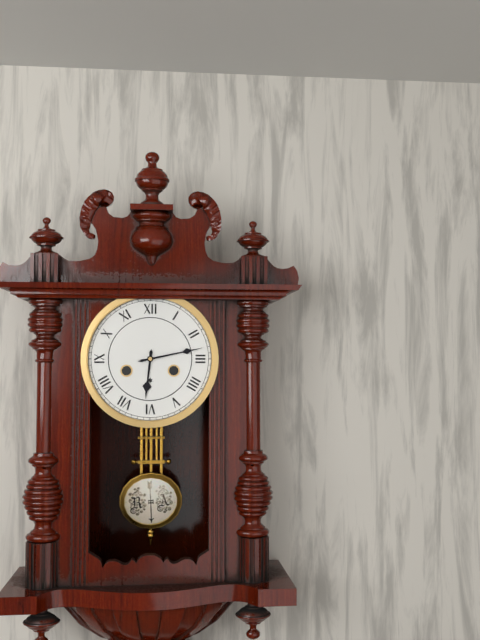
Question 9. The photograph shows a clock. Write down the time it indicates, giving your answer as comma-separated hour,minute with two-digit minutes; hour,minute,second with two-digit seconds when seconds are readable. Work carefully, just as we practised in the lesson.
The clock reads 6,13
